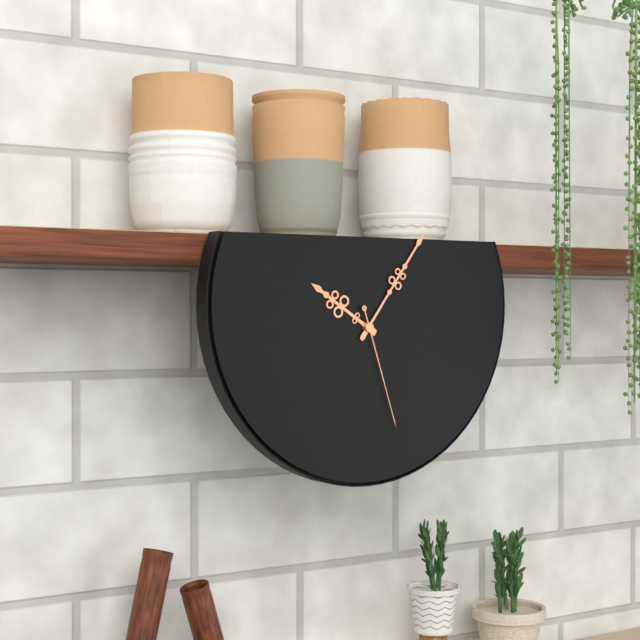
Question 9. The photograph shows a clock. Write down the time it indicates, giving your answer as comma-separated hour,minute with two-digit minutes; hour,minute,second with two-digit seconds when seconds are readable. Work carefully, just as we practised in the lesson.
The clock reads 10,06,27
